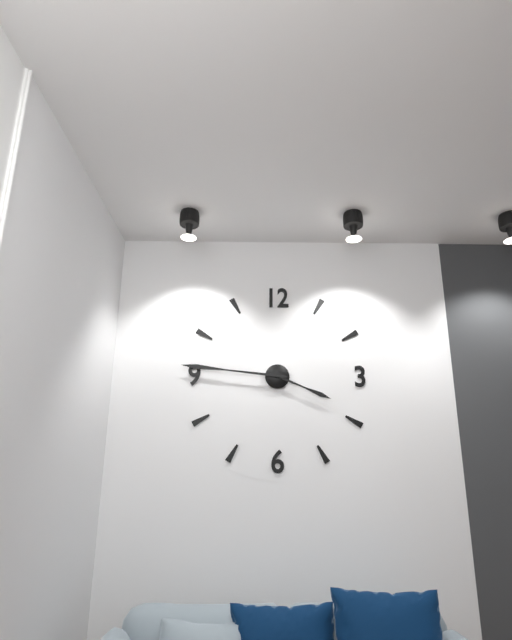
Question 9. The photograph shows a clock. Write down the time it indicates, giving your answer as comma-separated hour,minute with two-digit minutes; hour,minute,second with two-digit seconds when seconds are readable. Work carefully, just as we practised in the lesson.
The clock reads 3,46
